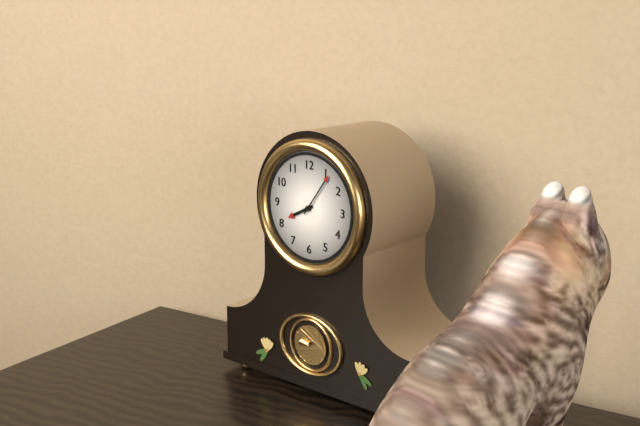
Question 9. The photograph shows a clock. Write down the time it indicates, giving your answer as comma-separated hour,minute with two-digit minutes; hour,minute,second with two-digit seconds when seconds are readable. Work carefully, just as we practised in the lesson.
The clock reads 8,06
